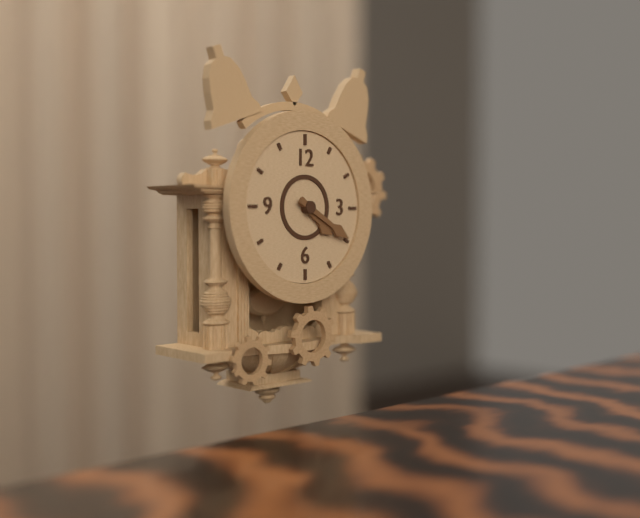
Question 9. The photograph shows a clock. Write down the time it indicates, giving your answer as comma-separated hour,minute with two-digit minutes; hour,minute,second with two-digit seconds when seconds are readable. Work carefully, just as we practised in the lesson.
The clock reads 4,20
